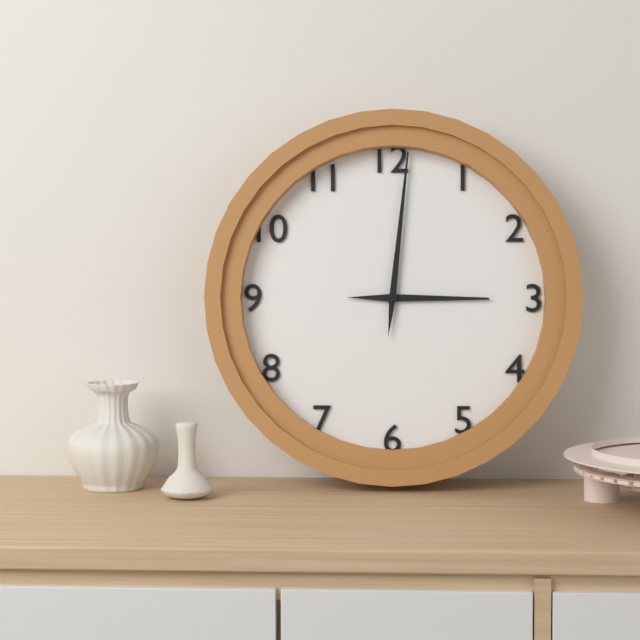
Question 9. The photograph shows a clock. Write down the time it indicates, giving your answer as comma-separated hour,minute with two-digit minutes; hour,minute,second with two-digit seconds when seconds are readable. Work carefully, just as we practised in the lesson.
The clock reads 3,01
